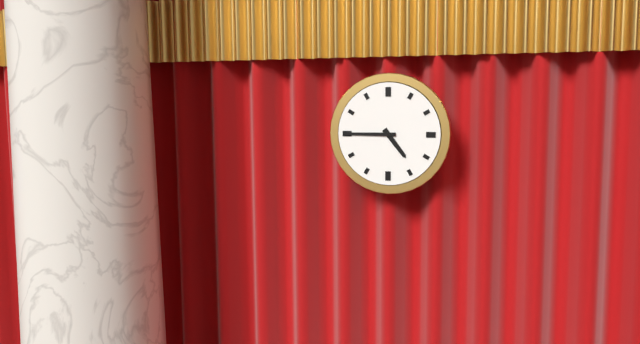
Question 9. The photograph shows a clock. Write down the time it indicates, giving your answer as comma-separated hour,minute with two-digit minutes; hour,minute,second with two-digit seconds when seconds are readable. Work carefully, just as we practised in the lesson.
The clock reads 4,45
